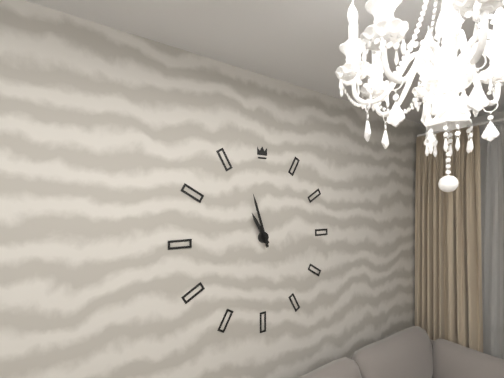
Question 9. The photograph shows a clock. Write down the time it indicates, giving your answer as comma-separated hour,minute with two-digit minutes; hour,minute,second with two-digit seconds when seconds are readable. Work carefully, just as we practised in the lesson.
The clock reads 10,57
